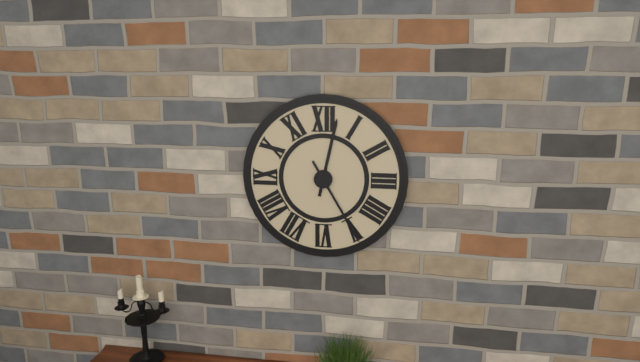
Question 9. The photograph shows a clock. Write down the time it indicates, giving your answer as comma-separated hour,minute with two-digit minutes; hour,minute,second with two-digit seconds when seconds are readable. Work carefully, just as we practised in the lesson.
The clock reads 12,25
